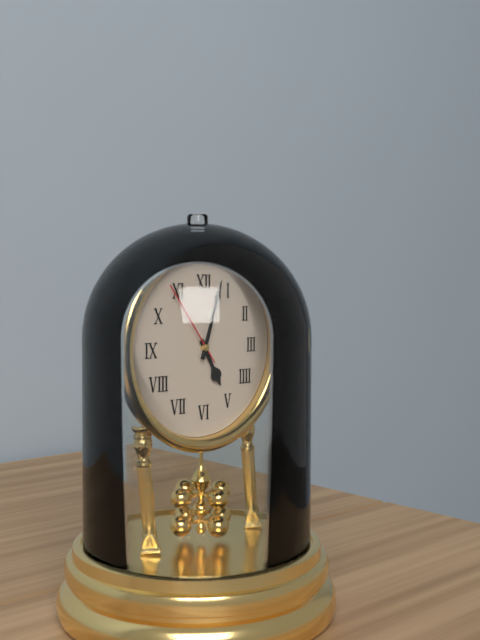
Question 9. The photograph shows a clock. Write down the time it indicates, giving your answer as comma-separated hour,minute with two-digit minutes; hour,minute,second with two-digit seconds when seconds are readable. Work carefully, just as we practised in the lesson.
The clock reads 5,03,54
